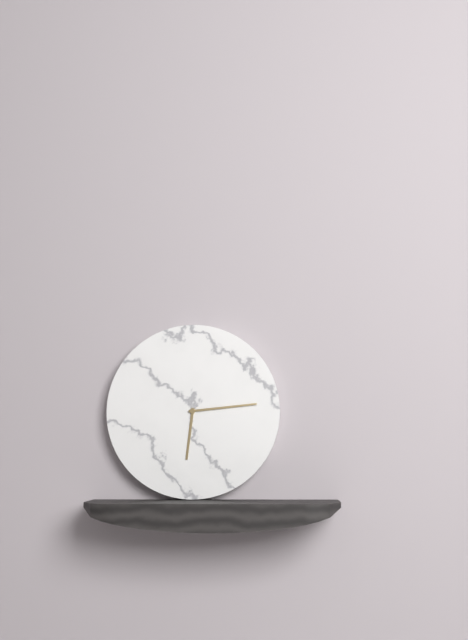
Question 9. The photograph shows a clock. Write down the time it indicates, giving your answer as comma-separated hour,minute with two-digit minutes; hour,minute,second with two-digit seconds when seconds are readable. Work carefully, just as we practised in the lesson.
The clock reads 6,14
